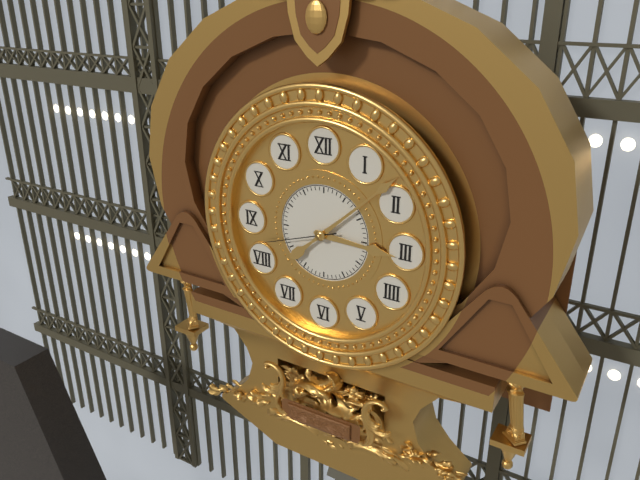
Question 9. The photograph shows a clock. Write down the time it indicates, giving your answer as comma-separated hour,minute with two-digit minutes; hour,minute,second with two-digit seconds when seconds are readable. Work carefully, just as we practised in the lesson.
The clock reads 3,08,42
